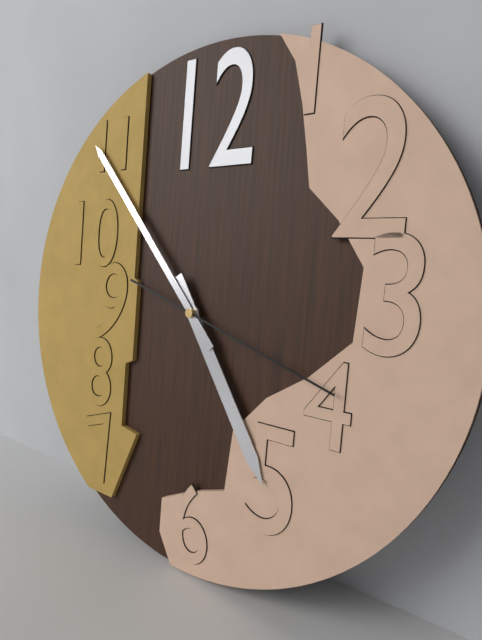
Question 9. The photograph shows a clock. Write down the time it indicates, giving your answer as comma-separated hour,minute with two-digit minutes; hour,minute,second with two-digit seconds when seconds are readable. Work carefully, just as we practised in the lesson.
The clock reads 4,53,18
